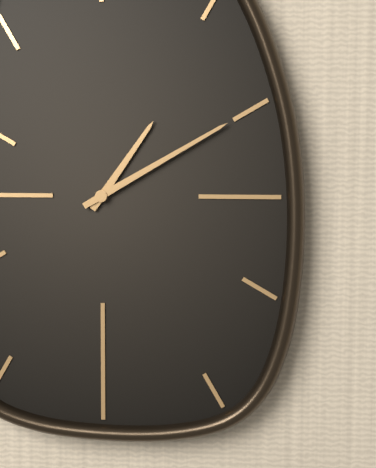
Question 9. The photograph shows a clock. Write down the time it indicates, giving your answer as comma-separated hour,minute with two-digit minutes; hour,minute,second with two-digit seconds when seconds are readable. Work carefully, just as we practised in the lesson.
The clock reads 1,10
